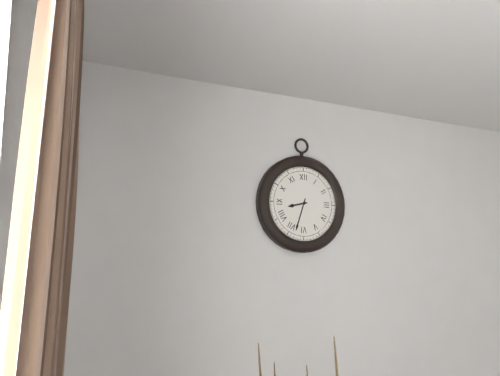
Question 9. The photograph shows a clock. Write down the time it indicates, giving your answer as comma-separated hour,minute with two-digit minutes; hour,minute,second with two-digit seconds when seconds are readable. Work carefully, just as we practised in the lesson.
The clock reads 8,33
